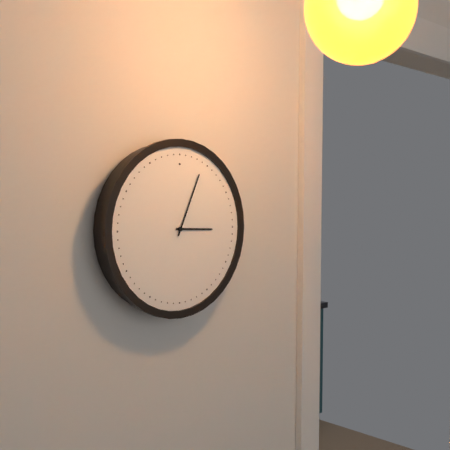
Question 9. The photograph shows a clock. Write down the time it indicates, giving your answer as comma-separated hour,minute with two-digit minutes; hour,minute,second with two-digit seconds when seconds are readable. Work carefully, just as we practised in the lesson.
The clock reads 3,04
